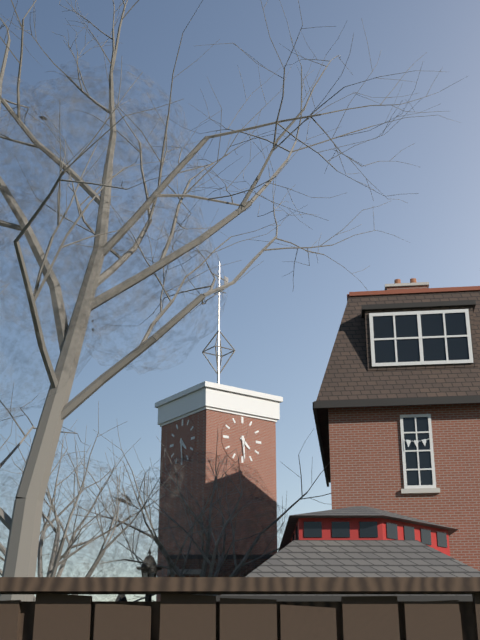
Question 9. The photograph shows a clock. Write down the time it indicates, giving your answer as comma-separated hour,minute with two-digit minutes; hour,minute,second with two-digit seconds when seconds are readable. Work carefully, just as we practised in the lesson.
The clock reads 4,29
